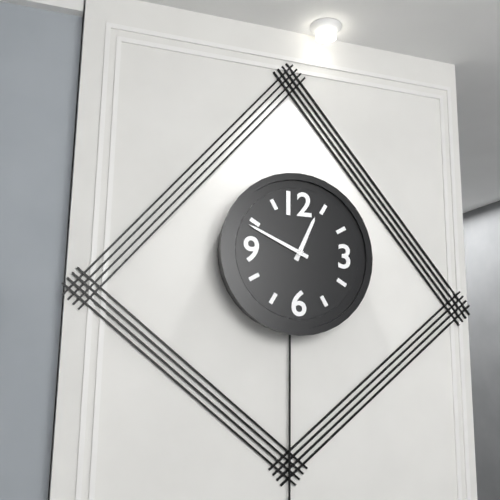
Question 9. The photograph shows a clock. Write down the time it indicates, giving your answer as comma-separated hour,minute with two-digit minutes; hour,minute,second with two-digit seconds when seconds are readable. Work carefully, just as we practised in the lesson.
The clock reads 12,49
